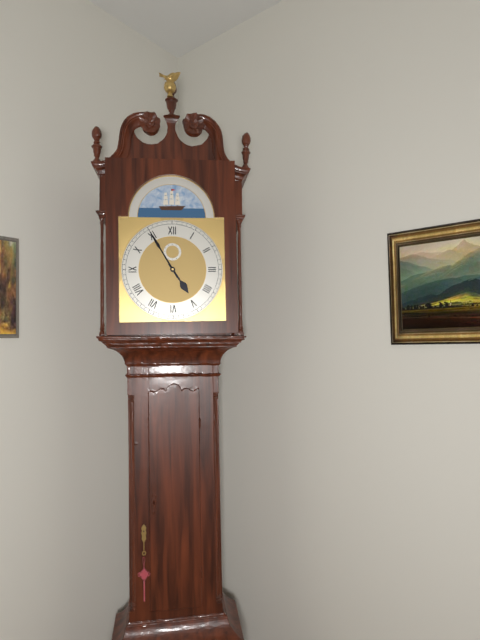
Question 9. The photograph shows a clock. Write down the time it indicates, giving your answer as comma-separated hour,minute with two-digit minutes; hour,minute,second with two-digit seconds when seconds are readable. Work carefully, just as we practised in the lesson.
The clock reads 4,55
